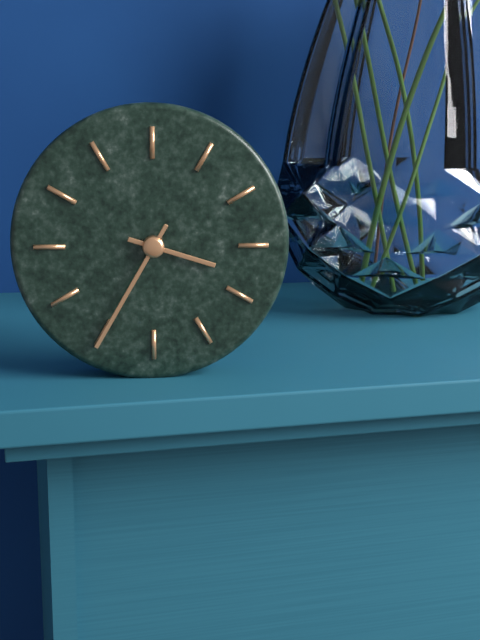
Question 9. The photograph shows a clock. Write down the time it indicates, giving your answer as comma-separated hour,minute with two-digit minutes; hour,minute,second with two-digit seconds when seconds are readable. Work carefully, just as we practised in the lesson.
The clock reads 3,35
